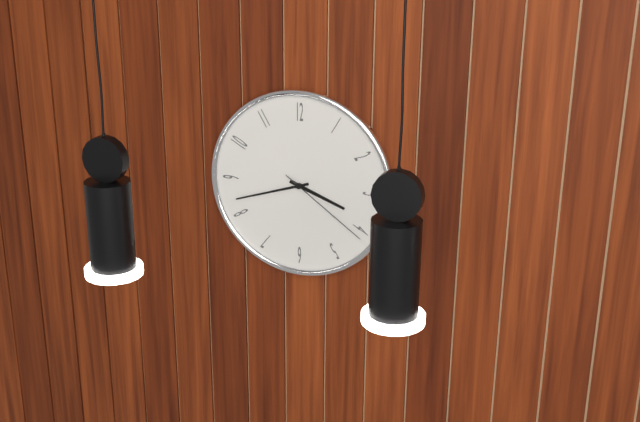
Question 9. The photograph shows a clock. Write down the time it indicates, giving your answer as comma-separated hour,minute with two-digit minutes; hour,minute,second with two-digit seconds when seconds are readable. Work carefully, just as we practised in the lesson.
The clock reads 3,42,21
